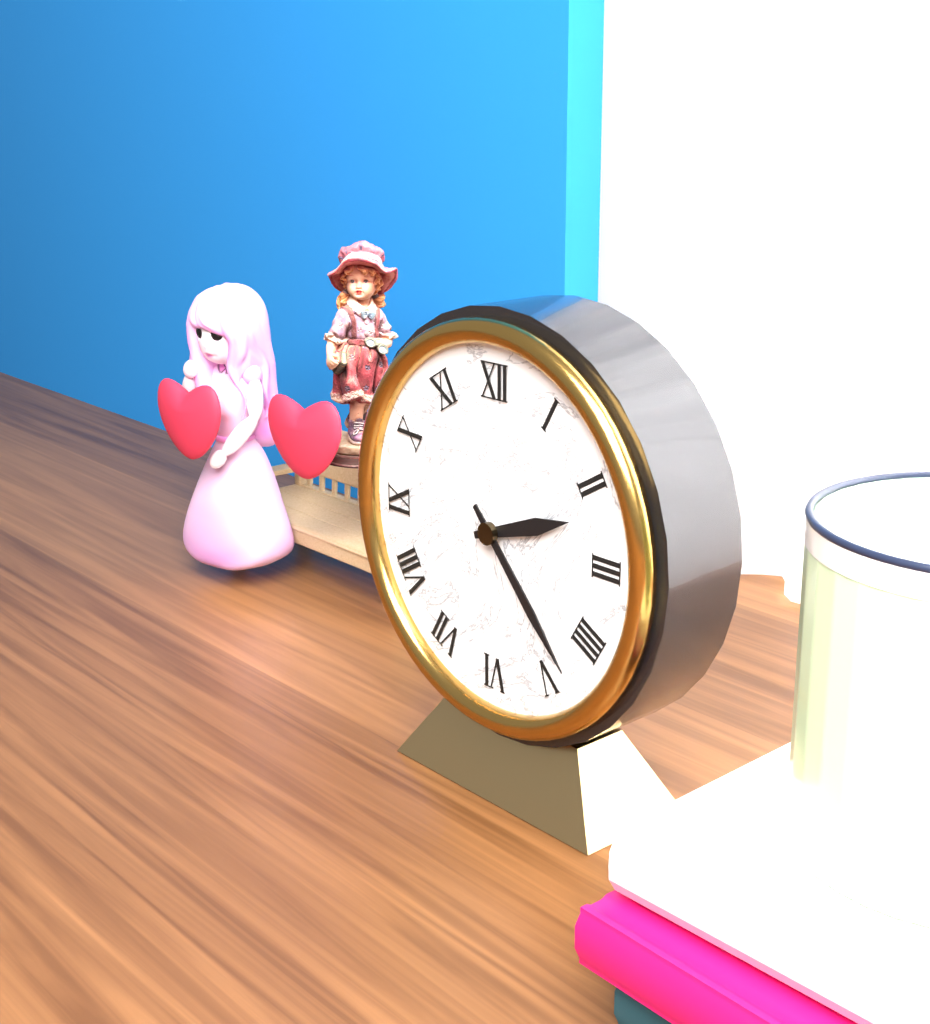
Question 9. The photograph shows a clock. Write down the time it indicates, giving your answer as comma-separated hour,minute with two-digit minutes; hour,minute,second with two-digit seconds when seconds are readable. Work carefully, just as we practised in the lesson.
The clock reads 2,23
